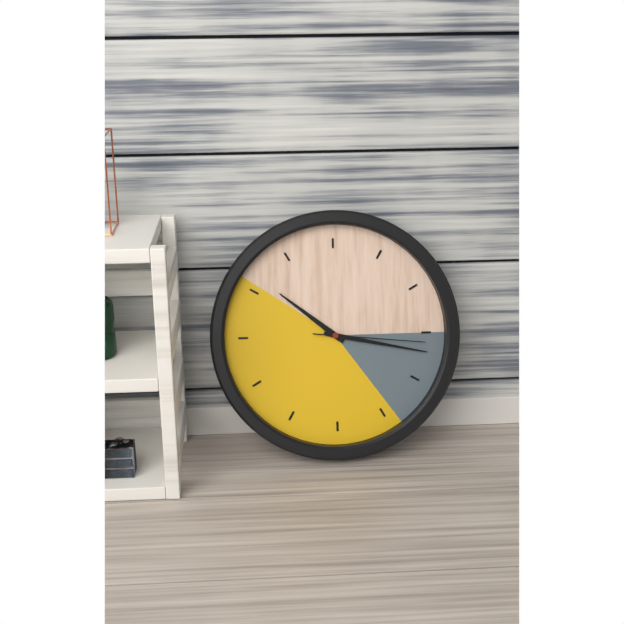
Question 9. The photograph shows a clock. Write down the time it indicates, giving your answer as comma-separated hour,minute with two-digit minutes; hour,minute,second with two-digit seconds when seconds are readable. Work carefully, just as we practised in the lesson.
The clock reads 10,17,16
